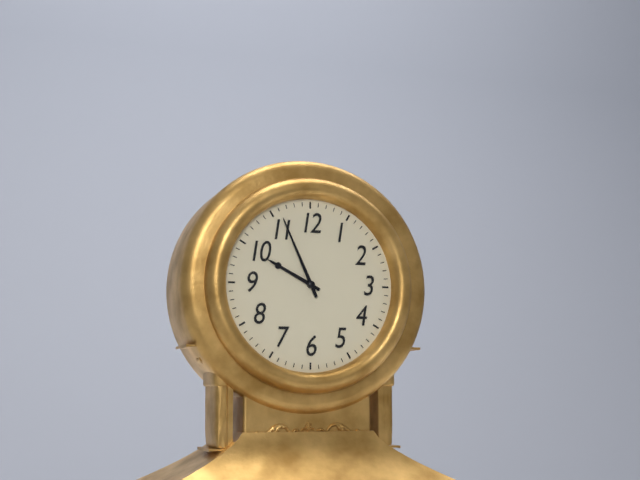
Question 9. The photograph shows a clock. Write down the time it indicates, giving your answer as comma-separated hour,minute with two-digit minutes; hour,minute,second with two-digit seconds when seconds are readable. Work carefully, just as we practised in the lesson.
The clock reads 9,56
